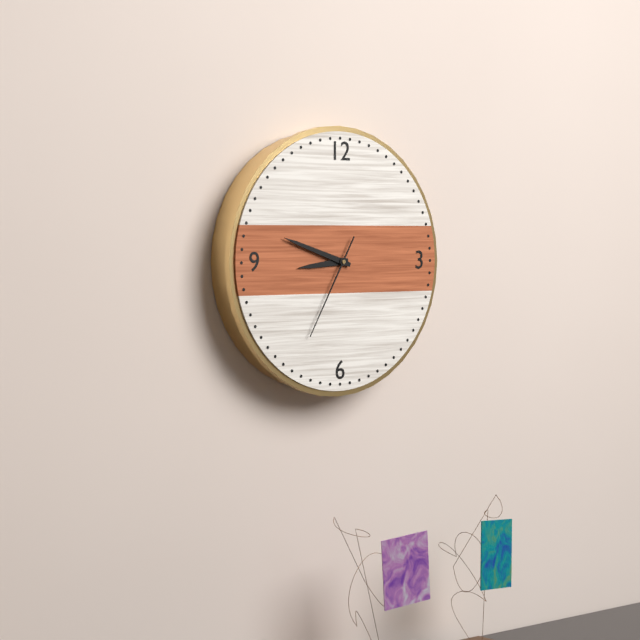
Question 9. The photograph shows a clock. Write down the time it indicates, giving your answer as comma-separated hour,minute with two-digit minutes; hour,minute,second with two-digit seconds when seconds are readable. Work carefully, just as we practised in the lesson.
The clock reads 8,48,35
